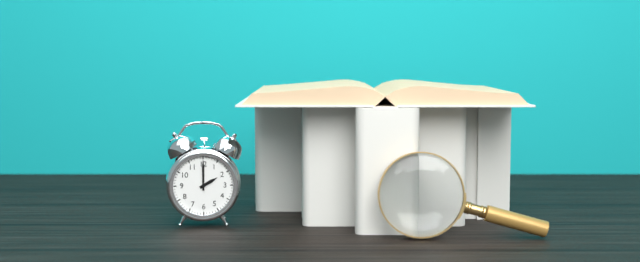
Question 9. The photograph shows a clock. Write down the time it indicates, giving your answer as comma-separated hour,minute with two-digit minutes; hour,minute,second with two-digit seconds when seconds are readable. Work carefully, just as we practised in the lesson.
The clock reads 2,00
